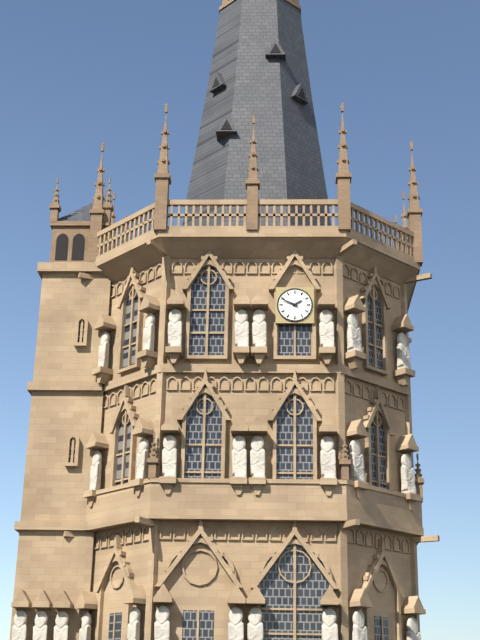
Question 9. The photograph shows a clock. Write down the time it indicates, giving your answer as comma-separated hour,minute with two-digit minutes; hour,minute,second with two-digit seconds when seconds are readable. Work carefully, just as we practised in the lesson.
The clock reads 1,49
